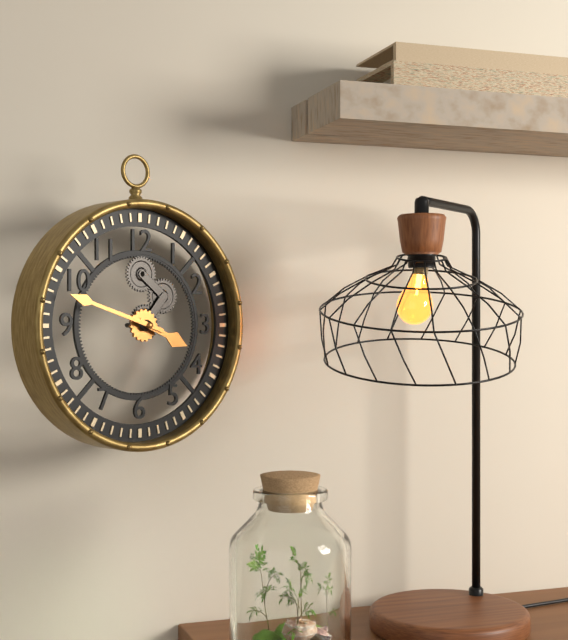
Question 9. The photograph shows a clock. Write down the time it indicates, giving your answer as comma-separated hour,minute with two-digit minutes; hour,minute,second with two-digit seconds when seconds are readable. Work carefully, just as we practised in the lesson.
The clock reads 3,48
